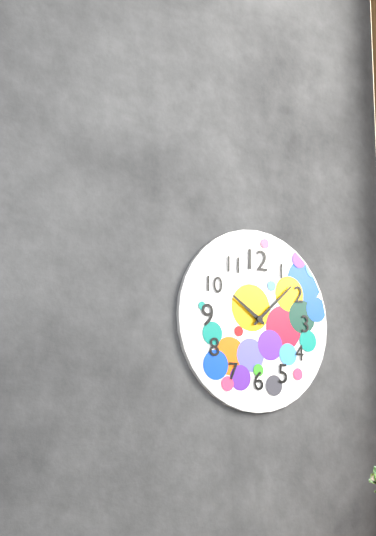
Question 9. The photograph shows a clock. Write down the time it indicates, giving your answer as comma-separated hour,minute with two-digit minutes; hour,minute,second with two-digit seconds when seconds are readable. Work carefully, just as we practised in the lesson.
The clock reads 10,08
